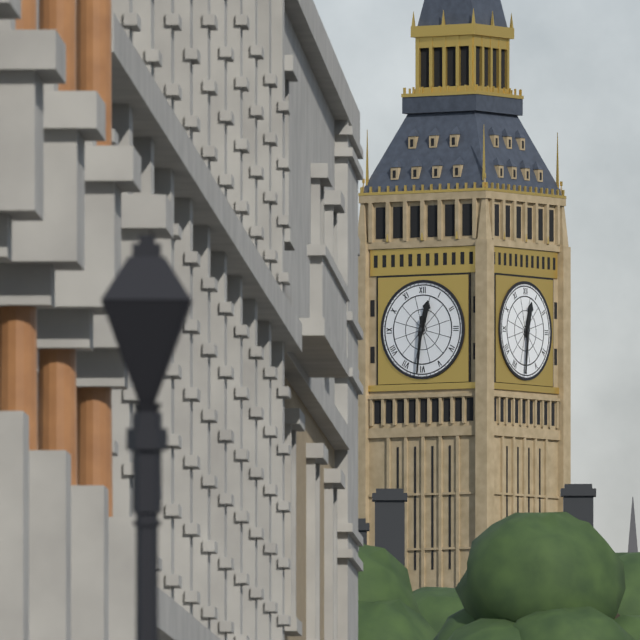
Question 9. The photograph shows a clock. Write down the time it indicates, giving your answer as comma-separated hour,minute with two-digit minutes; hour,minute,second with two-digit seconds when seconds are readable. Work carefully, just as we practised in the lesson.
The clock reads 12,31
